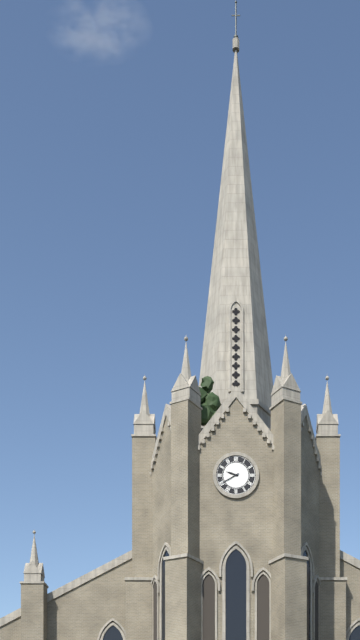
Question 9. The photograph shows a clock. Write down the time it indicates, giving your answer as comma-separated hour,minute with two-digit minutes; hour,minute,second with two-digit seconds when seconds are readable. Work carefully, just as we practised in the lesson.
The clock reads 9,40
